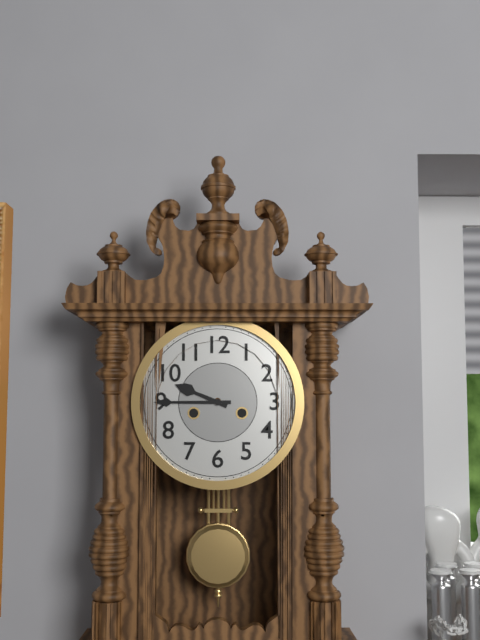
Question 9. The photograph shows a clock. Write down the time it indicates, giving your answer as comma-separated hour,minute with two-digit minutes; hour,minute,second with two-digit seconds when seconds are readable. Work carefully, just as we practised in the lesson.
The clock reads 9,45
